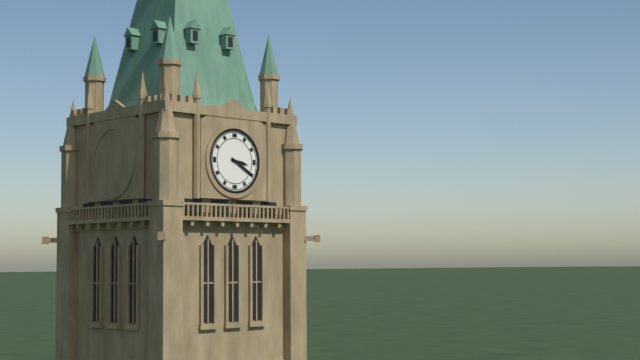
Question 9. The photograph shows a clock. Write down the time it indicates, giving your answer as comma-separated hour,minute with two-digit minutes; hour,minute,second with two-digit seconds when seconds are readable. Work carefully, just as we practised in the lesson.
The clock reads 3,20
